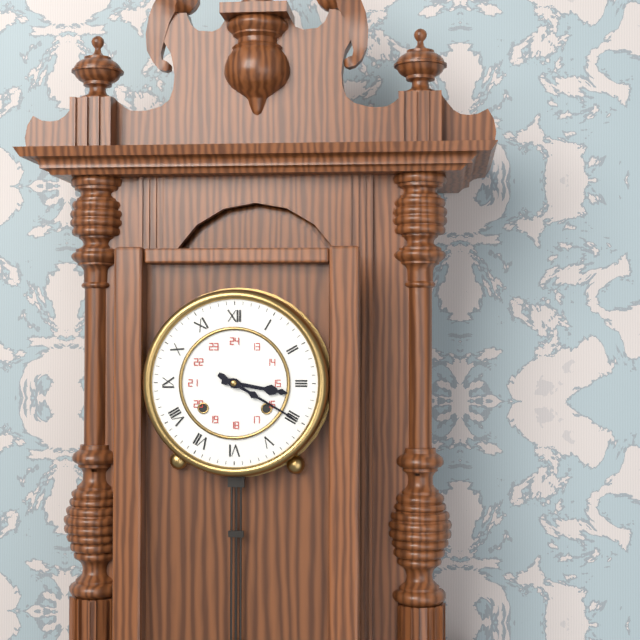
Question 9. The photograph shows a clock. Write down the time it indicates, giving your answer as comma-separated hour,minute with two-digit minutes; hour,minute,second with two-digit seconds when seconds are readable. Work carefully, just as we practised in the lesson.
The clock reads 3,20
